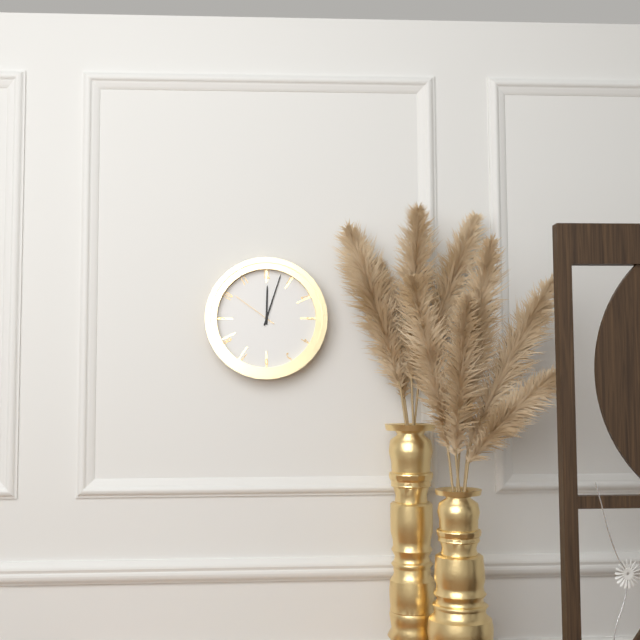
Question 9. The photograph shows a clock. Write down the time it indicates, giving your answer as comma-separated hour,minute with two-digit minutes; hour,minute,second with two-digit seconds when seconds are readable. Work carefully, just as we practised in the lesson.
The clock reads 12,03,51
